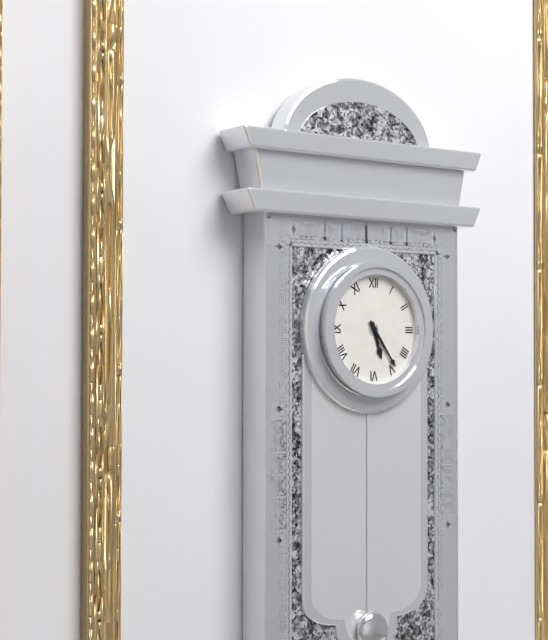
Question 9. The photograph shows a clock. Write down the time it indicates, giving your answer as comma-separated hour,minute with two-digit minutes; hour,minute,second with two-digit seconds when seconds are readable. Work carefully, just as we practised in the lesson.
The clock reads 5,24
